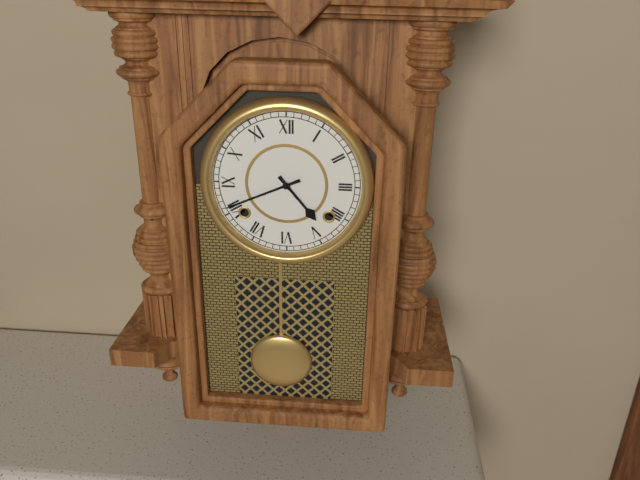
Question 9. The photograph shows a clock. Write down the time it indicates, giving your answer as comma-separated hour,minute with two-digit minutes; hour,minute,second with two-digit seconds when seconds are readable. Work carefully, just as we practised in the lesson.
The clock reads 4,41
